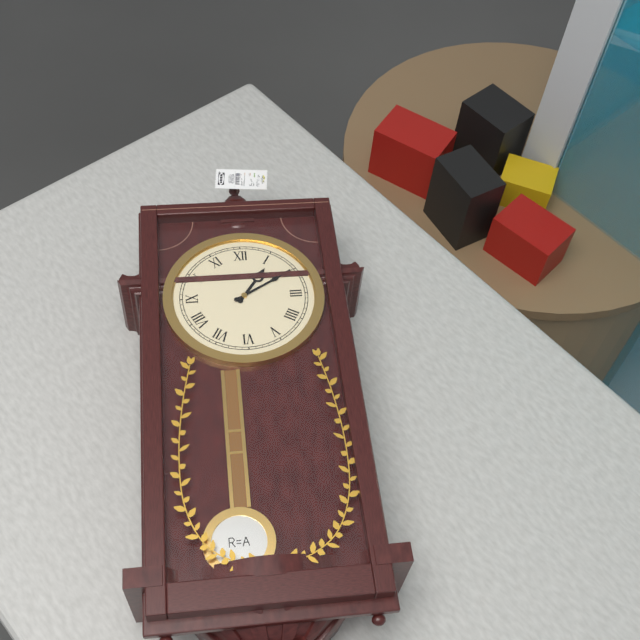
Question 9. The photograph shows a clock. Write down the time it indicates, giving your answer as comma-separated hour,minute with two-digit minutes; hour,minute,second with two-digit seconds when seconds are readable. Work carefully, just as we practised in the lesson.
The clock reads 1,10
